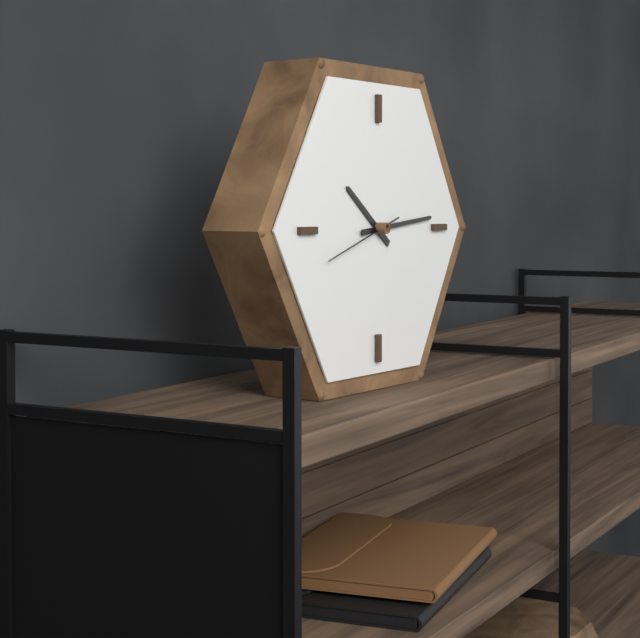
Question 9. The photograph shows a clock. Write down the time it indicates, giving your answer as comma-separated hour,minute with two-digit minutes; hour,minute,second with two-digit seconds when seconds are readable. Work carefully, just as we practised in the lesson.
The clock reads 10,14,42
